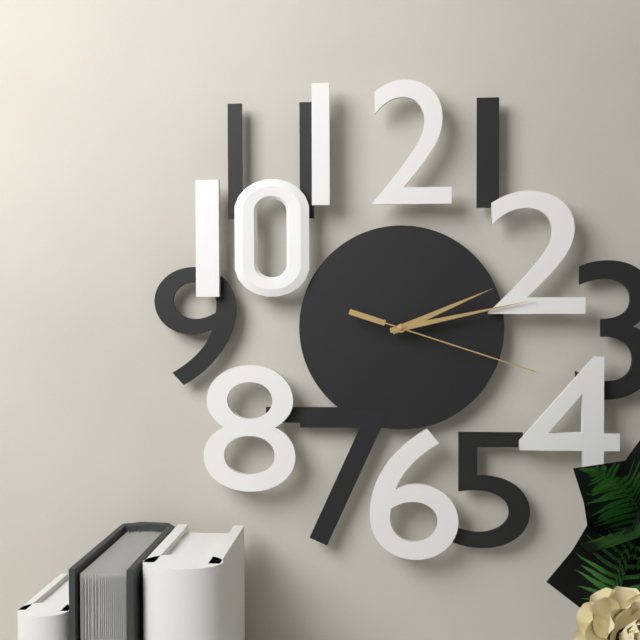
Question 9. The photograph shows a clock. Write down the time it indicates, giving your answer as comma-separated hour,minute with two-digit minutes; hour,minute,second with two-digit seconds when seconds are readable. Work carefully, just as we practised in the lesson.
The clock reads 2,13,18
